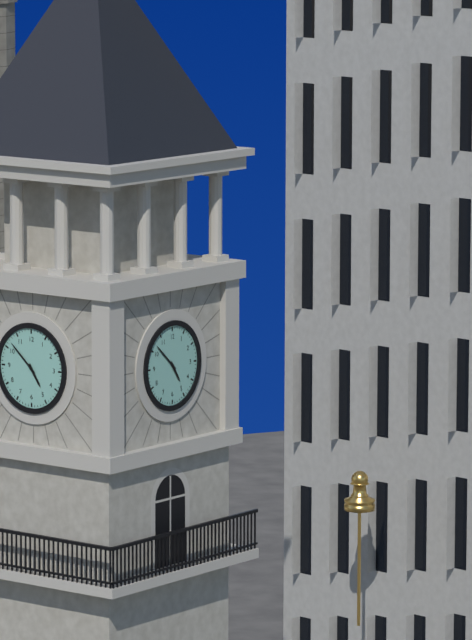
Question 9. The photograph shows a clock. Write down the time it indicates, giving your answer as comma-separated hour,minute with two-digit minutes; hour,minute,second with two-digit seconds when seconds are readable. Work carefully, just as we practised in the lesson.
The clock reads 4,52
